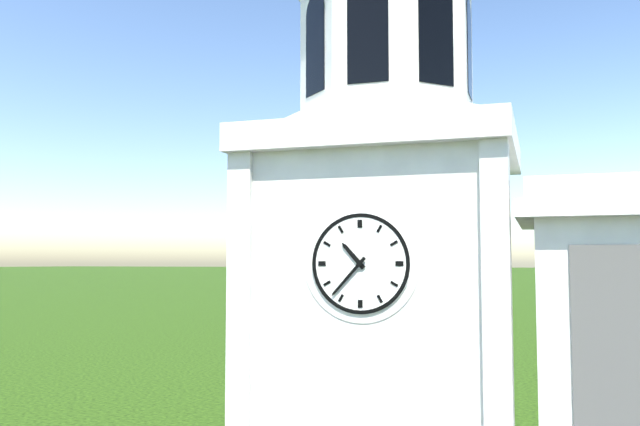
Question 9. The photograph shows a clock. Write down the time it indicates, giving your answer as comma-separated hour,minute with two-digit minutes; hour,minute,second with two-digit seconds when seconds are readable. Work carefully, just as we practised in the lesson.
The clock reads 10,37
